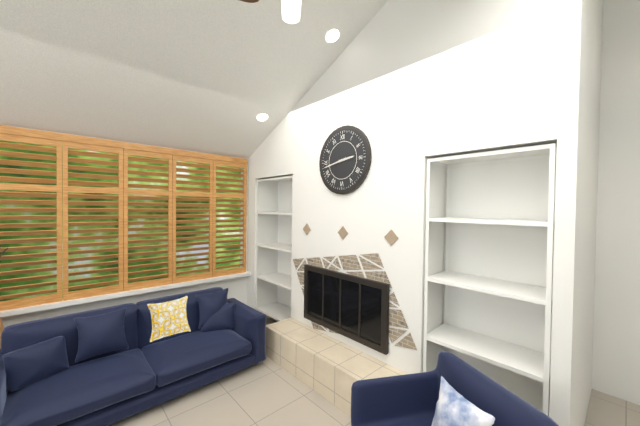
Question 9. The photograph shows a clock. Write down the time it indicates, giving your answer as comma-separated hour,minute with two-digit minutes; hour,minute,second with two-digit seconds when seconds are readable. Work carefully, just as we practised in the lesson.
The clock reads 2,43
